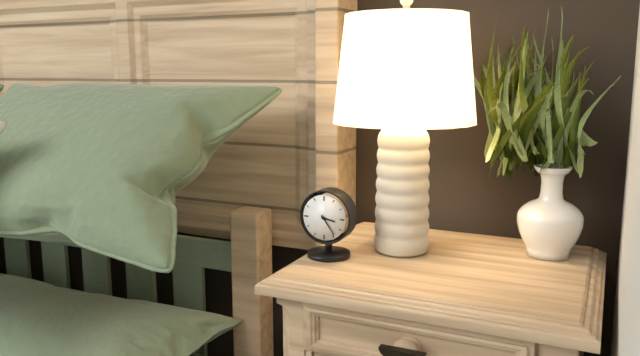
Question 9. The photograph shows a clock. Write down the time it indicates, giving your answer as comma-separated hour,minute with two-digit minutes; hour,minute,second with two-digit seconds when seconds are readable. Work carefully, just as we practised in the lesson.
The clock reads 3,24
